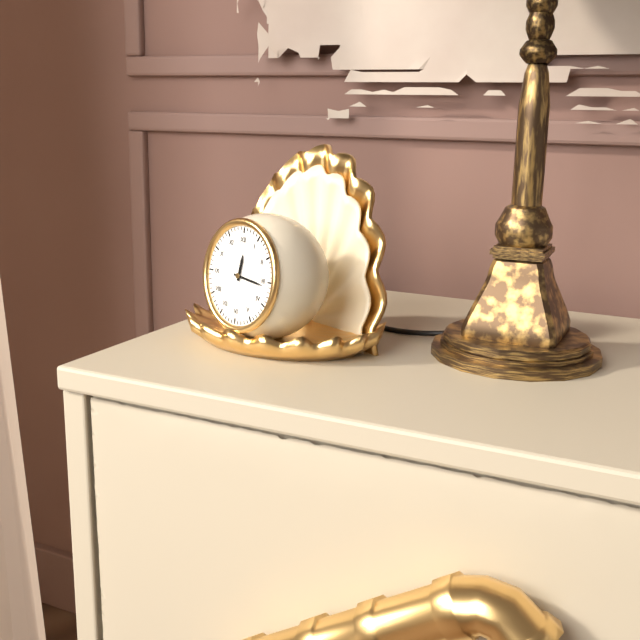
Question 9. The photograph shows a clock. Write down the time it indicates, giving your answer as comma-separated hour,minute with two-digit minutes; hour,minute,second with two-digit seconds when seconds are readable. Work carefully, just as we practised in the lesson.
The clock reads 12,16
